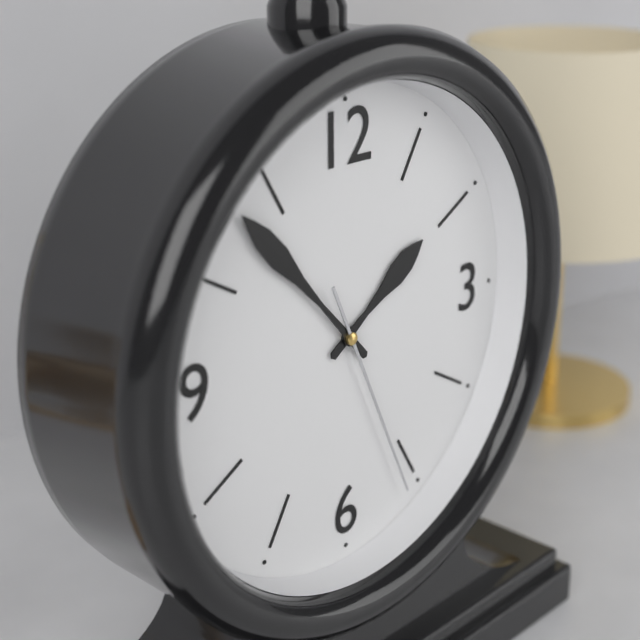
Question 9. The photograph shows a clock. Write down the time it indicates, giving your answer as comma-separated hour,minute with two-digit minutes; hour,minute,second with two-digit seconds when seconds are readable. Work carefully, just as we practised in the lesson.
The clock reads 1,53,26
